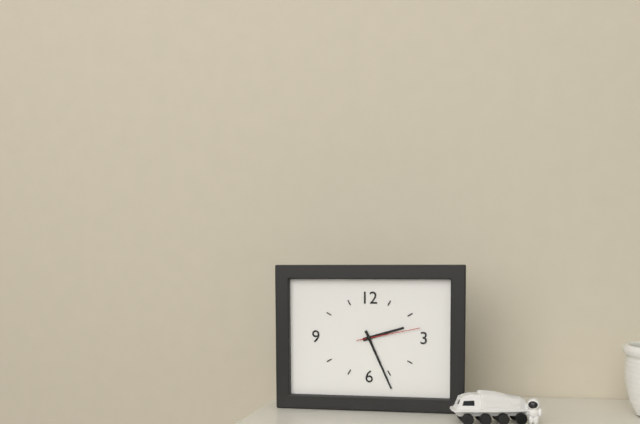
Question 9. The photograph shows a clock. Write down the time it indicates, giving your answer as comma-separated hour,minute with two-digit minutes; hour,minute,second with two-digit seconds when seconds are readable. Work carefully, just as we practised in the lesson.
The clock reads 2,26,13
